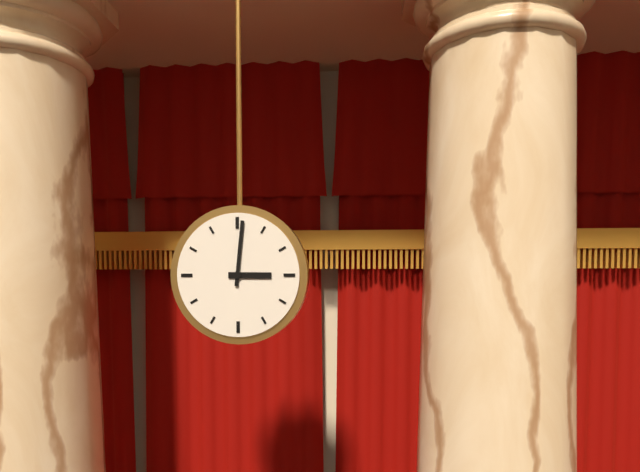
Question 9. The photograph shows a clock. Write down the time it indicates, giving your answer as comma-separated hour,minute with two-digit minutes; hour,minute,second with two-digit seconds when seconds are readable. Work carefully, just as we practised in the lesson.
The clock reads 3,01
